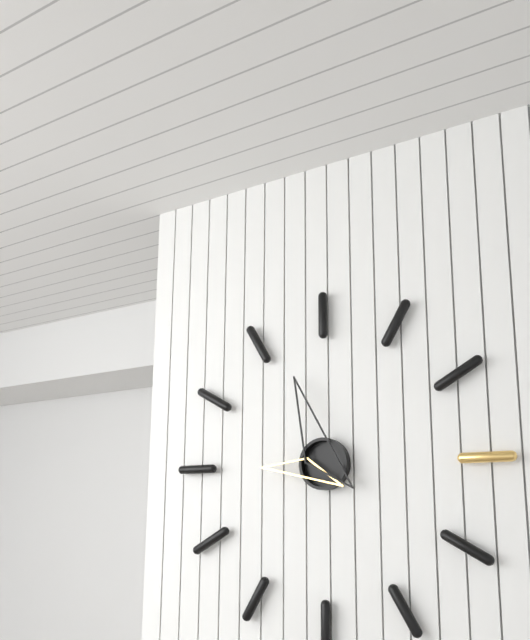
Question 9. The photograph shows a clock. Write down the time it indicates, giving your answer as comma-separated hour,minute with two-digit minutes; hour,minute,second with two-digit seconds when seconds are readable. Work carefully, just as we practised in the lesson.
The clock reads 8,57
